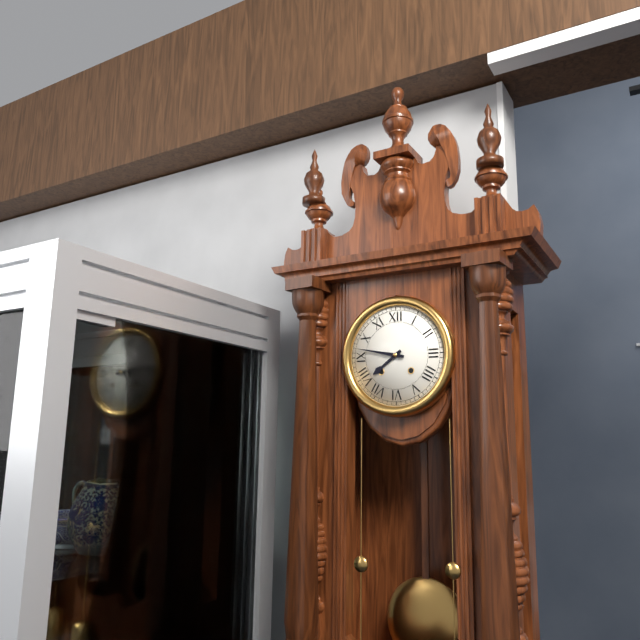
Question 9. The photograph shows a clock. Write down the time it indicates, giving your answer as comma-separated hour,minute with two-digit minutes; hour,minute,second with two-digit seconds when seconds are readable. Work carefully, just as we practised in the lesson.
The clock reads 7,47
